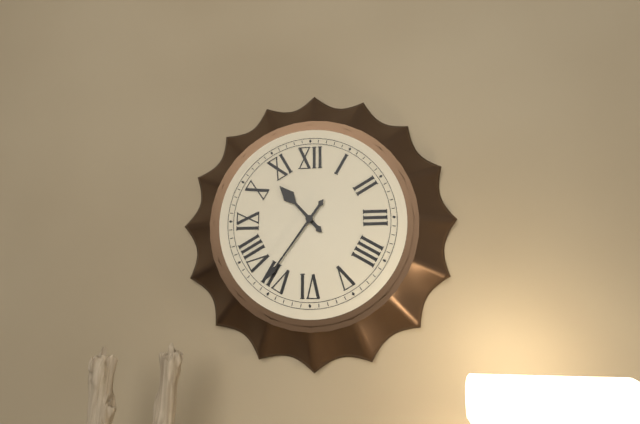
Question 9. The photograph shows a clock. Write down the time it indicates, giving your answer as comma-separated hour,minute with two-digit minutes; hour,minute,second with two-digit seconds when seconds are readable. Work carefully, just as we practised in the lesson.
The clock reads 10,36
